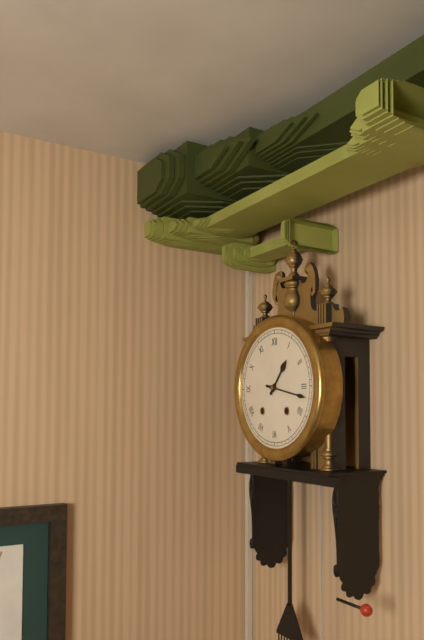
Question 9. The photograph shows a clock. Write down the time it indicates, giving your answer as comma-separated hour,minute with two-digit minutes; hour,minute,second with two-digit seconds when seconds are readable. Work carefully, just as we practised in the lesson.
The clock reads 1,17
